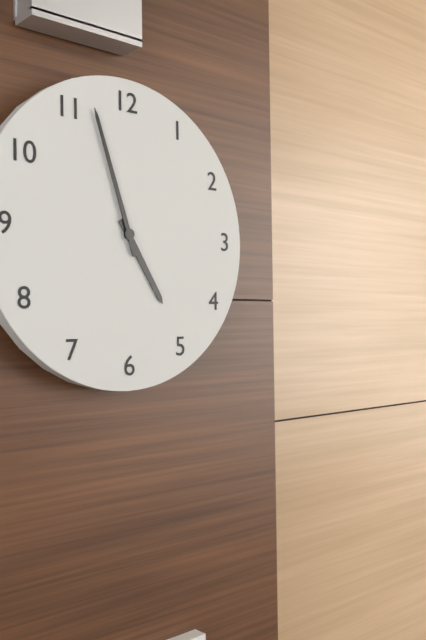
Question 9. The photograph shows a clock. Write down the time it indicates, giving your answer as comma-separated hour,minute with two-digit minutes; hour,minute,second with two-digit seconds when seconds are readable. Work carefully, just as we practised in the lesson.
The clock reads 4,57
